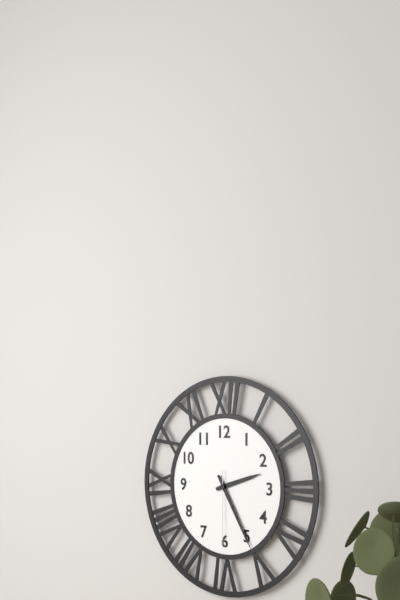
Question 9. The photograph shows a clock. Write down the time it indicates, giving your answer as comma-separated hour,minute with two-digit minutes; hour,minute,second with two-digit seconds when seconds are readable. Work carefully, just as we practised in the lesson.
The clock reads 2,25,30
